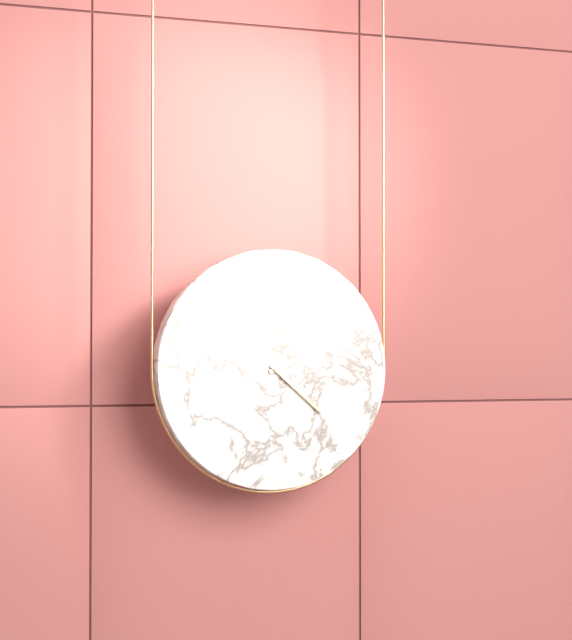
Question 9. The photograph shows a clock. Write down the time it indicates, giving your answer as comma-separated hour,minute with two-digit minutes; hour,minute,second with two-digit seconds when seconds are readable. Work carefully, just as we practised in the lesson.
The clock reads 2,22
